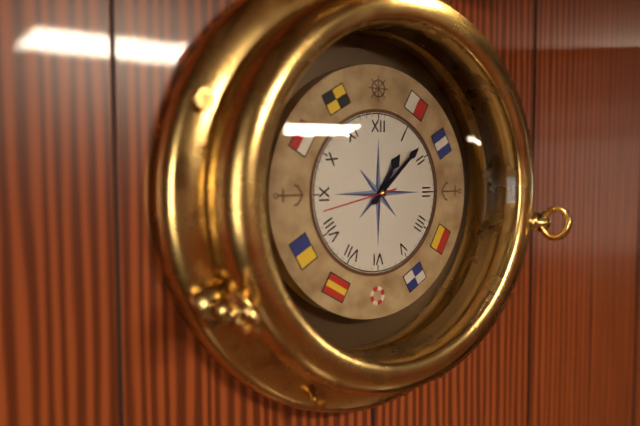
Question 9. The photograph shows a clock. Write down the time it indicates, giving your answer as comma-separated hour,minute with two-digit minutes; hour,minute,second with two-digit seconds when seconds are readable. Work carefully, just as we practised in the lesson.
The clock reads 1,08,43
